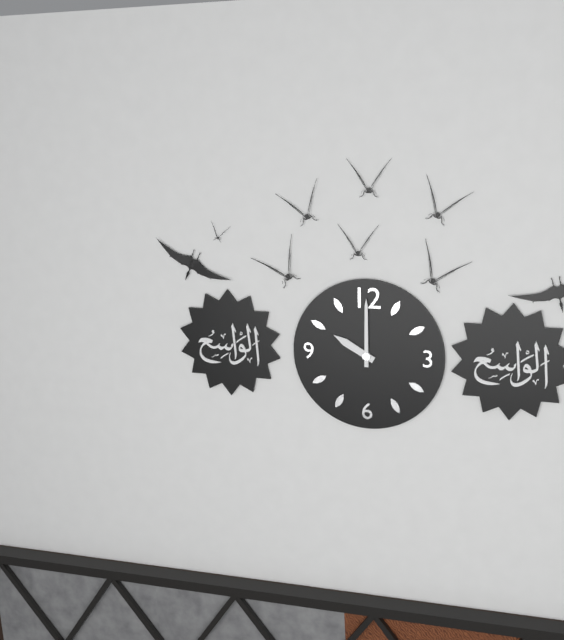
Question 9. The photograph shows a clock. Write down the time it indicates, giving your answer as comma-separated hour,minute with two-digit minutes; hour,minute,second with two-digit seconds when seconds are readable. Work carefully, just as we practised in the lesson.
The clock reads 10,00
